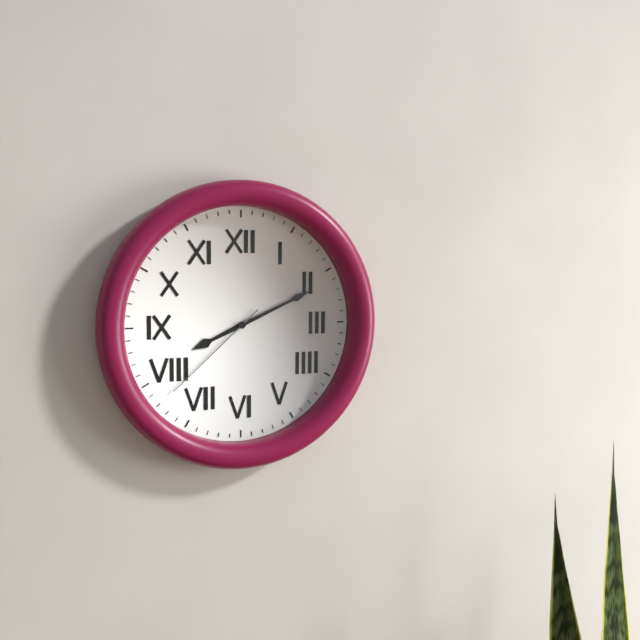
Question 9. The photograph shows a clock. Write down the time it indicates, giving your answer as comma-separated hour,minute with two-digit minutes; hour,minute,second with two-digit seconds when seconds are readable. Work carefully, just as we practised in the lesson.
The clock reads 8,11,38
